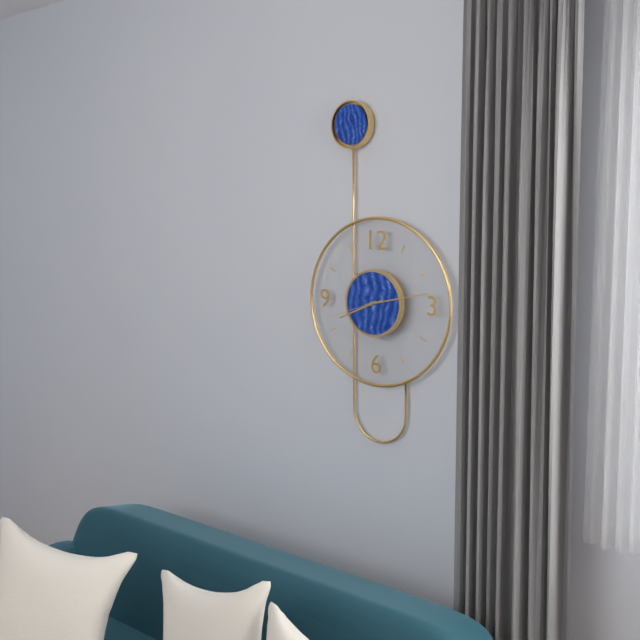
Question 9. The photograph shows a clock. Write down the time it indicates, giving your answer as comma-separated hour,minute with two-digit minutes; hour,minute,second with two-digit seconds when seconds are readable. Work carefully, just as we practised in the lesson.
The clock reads 8,13,42
